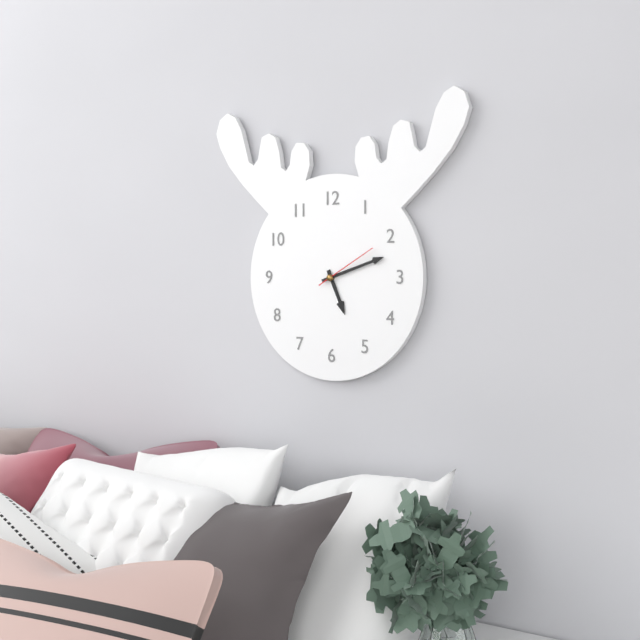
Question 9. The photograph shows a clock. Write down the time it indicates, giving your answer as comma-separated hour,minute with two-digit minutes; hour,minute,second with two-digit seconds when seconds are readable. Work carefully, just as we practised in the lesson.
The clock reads 5,12,10
